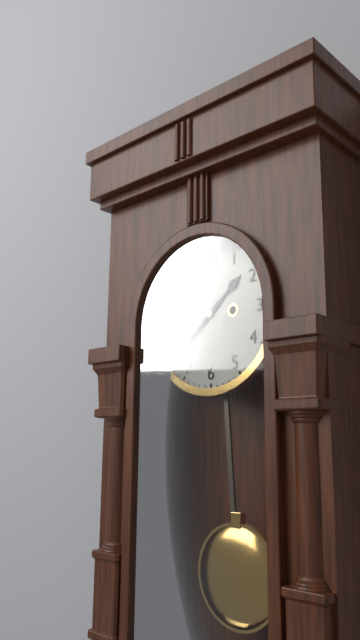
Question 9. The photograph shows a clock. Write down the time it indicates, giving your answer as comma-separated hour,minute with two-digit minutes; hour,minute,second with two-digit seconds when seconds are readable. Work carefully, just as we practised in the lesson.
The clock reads 1,38
